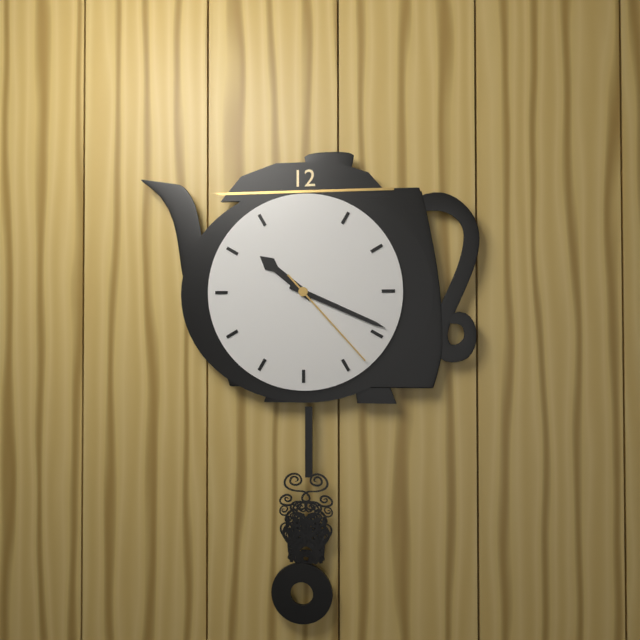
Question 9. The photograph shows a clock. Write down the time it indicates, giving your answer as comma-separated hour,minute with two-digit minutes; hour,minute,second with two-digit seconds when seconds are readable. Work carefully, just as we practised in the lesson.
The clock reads 10,19,23
